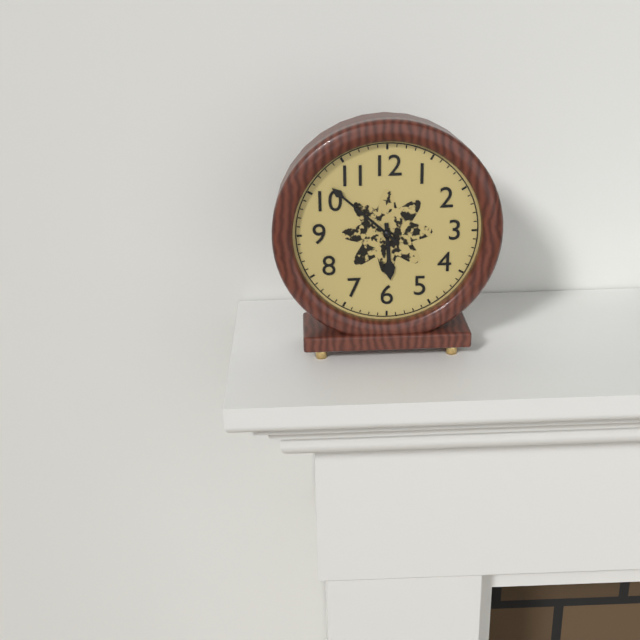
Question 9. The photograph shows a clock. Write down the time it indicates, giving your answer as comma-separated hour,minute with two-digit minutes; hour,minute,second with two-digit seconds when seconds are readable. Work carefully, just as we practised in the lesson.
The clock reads 5,52
